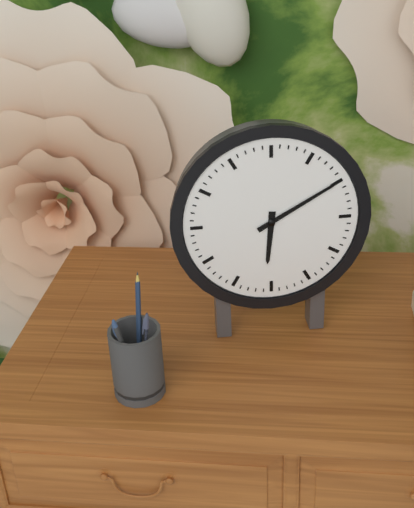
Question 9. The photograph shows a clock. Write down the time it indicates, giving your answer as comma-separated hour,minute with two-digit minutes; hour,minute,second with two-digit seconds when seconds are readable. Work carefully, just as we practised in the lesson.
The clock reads 6,10
